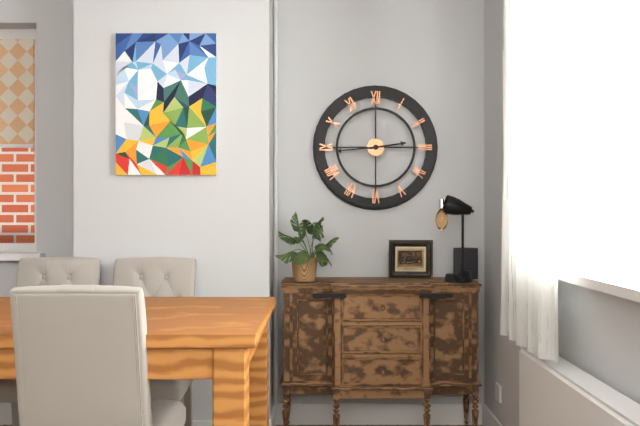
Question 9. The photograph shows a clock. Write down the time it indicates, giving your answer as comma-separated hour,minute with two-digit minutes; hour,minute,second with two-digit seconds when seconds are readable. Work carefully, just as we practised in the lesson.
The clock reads 2,44
